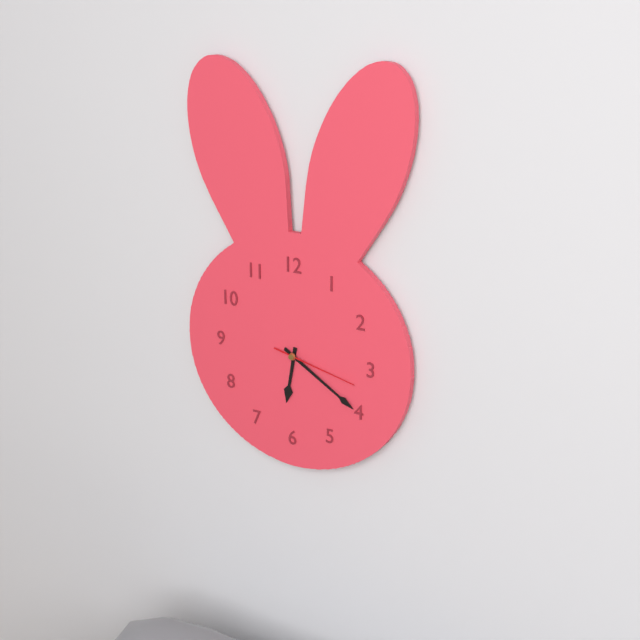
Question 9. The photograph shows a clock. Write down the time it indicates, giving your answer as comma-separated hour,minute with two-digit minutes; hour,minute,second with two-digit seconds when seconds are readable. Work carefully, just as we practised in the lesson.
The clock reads 6,20,17
